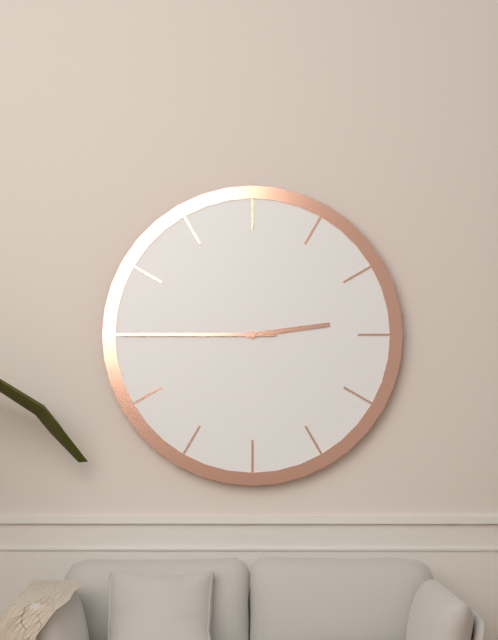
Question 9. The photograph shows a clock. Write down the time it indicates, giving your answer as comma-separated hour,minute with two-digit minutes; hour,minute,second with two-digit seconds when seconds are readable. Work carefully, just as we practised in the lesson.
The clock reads 2,45
